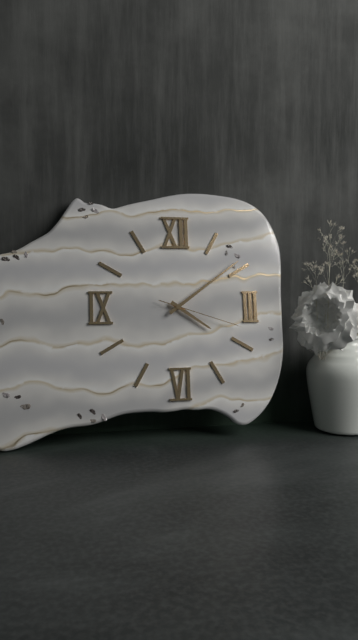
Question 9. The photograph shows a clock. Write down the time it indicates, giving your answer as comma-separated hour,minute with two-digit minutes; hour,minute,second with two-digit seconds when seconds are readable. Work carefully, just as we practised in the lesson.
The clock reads 4,09,18
